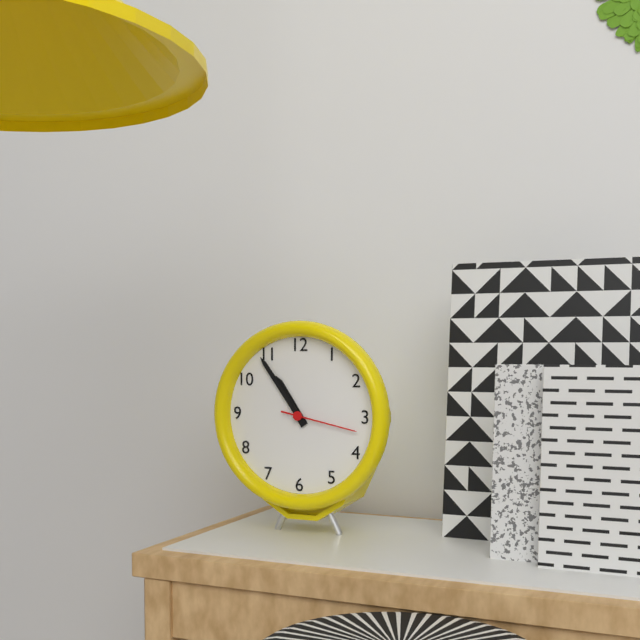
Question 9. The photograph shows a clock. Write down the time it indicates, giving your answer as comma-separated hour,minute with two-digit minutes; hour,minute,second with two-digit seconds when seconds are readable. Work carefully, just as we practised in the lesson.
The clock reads 10,54,17
